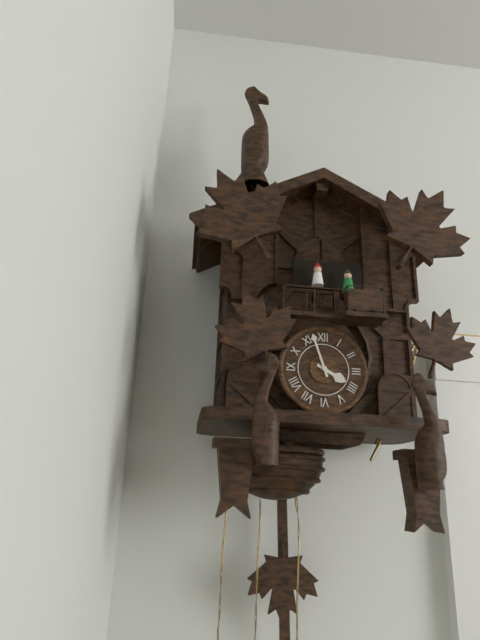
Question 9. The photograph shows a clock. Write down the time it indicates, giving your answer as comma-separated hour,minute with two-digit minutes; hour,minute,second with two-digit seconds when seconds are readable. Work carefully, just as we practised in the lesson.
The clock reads 3,57
